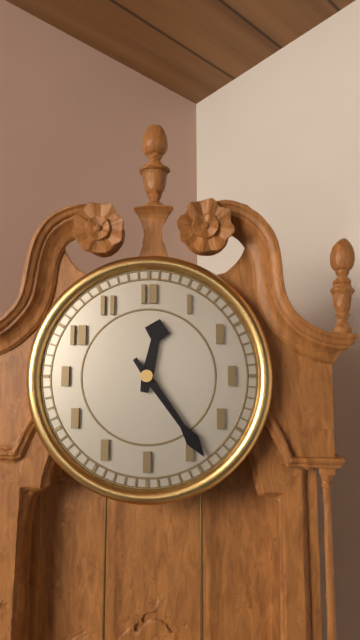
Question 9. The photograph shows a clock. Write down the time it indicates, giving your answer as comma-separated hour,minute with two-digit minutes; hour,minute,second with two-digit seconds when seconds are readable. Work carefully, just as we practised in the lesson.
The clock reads 12,24
